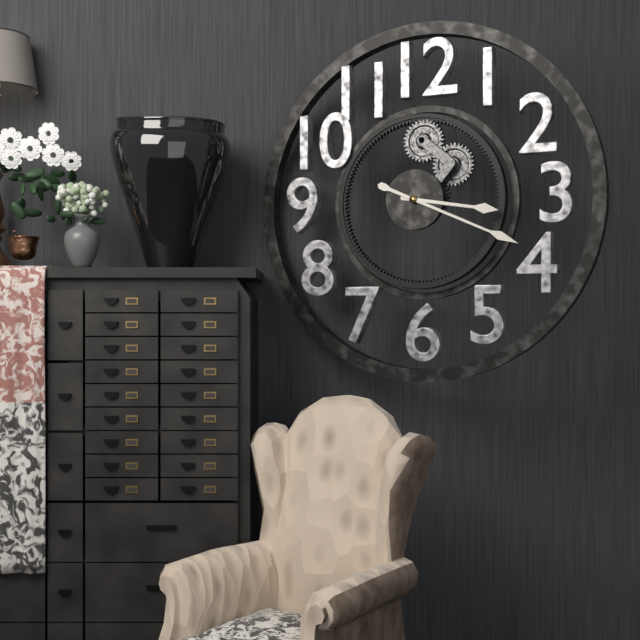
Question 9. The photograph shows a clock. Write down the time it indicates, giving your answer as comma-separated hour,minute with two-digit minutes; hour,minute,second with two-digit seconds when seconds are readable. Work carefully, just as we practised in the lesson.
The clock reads 3,19
